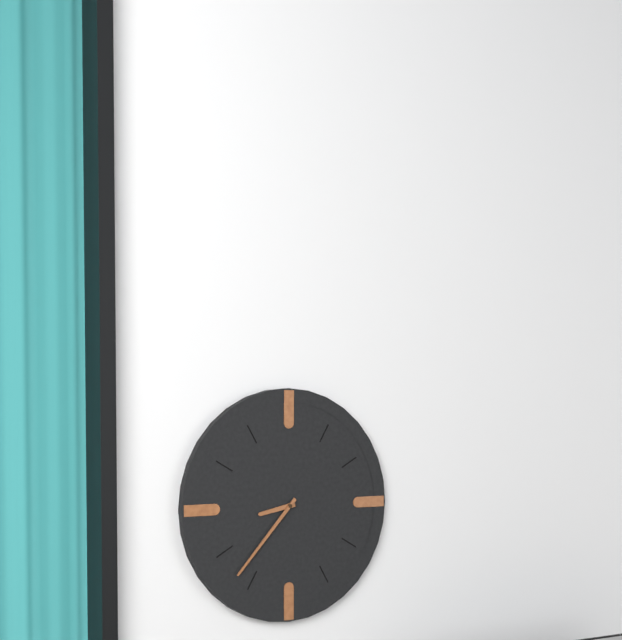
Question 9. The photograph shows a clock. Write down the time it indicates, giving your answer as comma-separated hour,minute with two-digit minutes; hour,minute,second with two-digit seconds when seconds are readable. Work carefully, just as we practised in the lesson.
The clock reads 8,37
